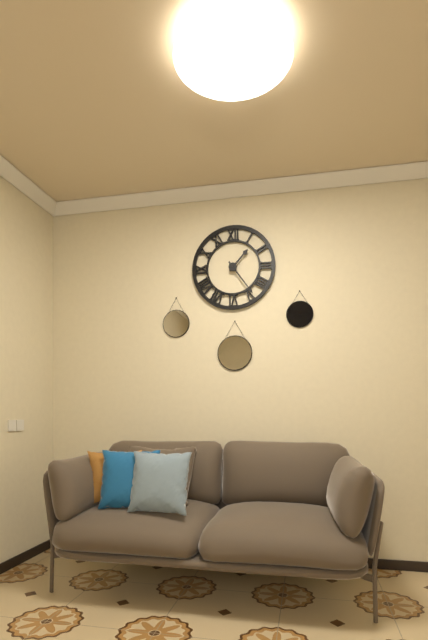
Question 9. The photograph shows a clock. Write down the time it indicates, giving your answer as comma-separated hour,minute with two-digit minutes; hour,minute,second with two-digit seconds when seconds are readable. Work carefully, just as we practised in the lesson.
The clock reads 1,24
